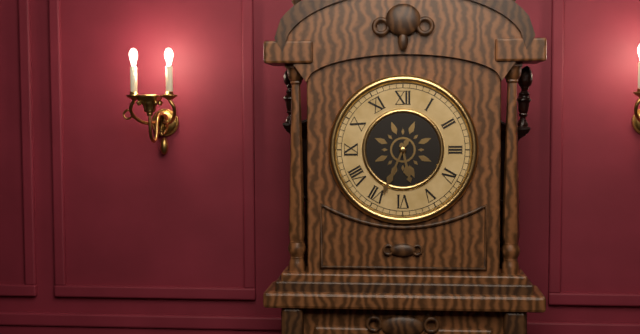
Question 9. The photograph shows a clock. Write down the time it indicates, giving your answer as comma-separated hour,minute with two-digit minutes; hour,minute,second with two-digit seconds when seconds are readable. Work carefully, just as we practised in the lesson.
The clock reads 5,34
